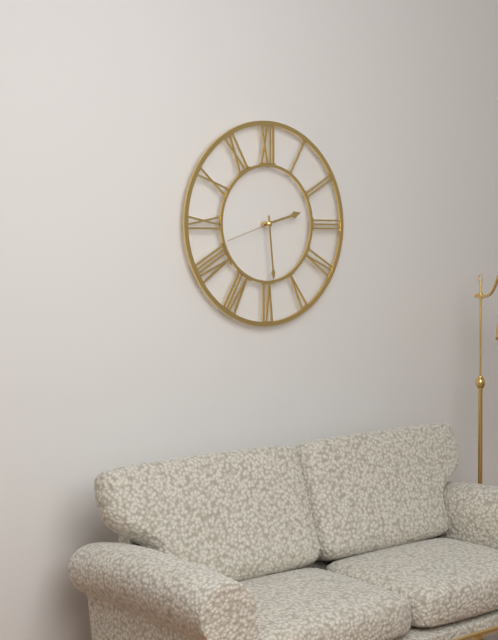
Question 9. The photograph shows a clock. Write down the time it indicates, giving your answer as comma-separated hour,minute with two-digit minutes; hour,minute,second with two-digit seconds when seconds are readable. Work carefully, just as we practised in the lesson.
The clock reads 2,29,42
